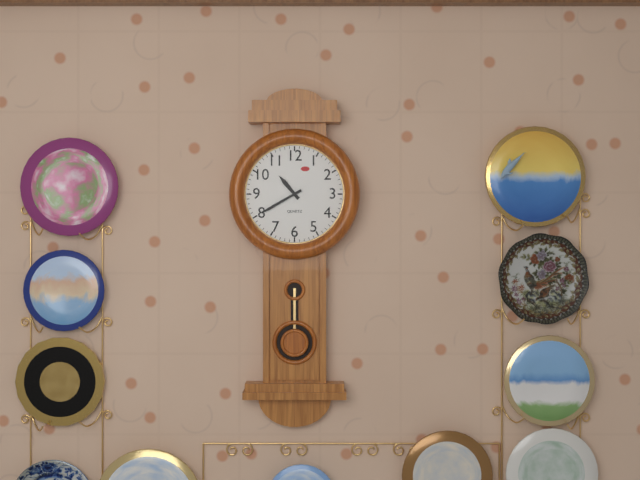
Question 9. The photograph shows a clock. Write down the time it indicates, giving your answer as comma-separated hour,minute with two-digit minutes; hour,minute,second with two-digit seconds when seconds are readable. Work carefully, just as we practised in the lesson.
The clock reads 10,40
